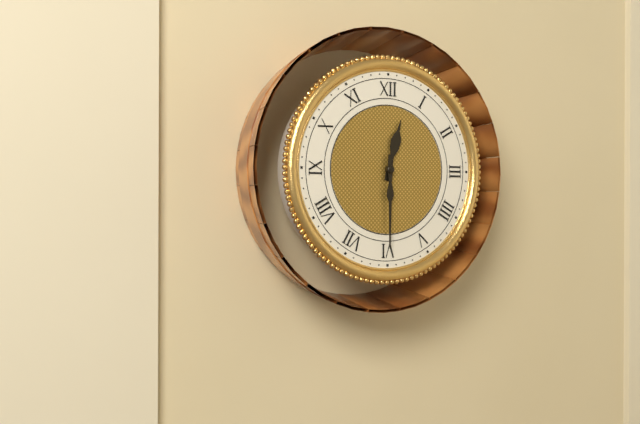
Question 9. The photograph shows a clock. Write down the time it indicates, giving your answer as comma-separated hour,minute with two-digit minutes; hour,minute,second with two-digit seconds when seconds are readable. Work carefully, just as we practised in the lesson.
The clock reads 12,30
